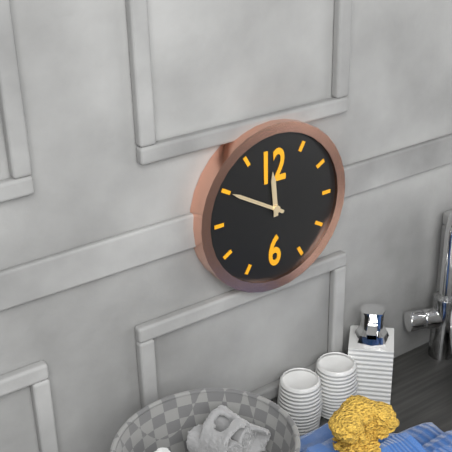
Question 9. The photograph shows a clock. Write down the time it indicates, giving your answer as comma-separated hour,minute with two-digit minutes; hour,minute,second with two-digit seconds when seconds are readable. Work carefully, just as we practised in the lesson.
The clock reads 11,50
